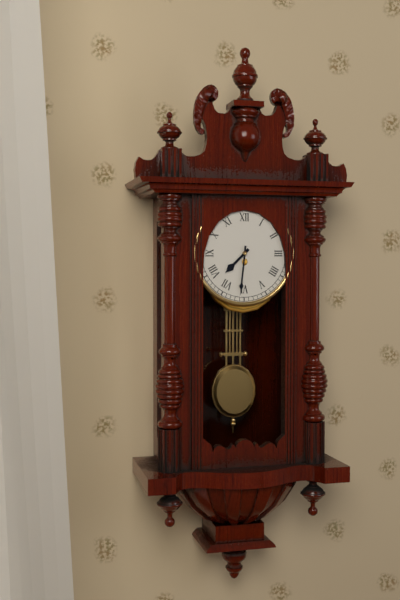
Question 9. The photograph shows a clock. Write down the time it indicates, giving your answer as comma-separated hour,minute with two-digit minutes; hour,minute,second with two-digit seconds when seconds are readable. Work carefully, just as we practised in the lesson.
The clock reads 7,31
